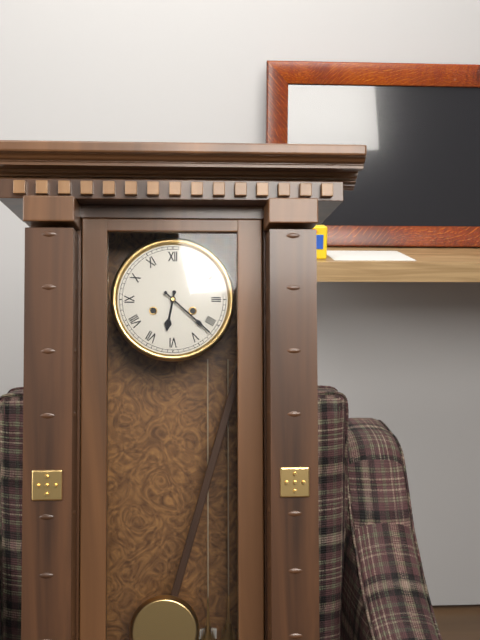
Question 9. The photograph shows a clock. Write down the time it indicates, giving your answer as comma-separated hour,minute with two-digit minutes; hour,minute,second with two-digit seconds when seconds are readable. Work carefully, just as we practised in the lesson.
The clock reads 6,22
